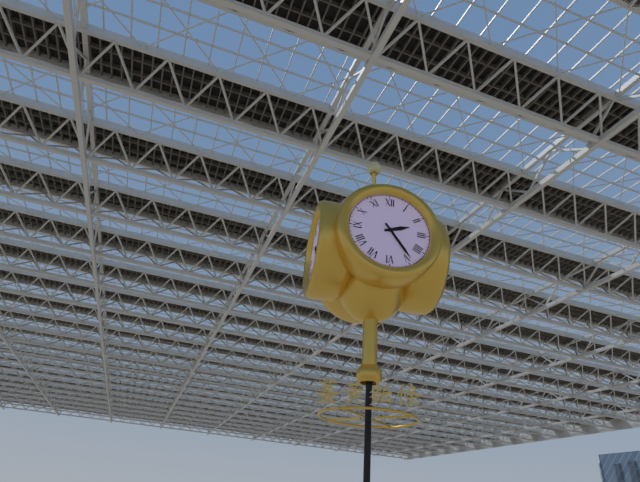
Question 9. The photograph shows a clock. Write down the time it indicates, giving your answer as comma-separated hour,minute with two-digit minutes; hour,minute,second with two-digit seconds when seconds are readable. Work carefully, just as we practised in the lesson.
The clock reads 2,24
